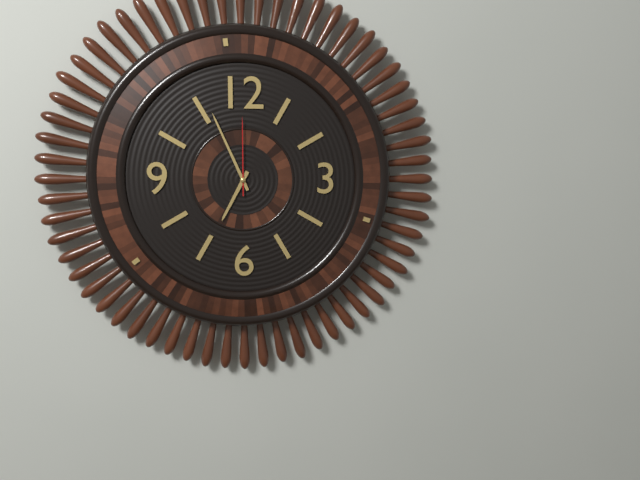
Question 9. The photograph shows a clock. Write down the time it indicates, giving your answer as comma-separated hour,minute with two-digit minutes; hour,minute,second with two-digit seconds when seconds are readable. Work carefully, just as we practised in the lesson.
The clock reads 6,56,00
